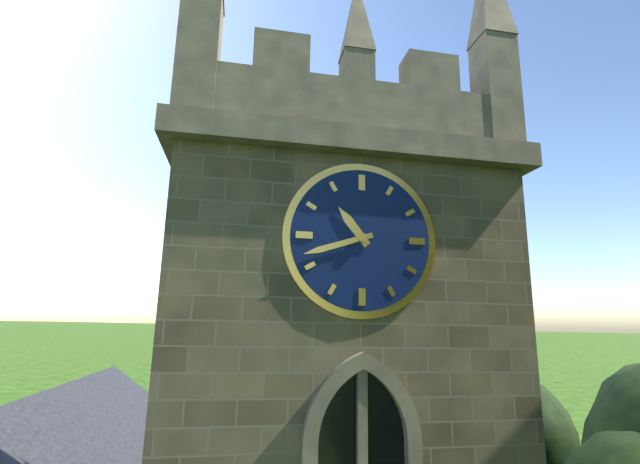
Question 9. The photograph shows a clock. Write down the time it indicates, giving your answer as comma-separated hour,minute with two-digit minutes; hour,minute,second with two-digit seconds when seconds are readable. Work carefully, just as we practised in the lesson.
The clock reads 10,42
